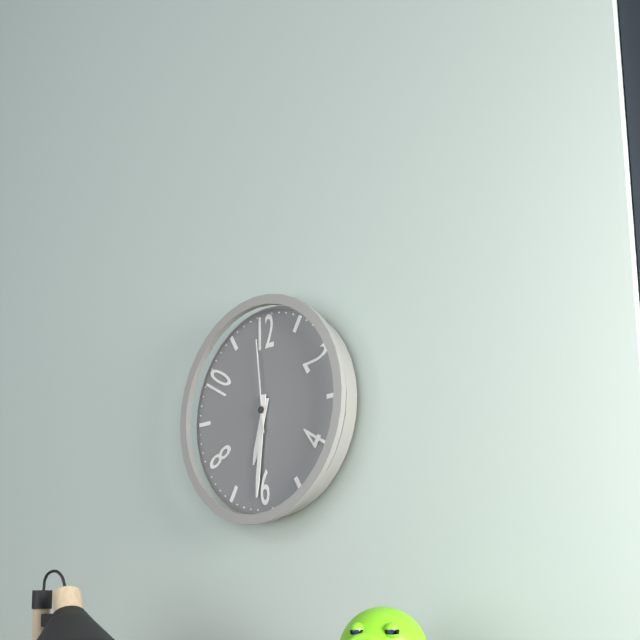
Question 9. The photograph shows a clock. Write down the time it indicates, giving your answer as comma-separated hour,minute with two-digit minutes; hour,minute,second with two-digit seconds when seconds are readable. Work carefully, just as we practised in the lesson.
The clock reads 6,31,59
